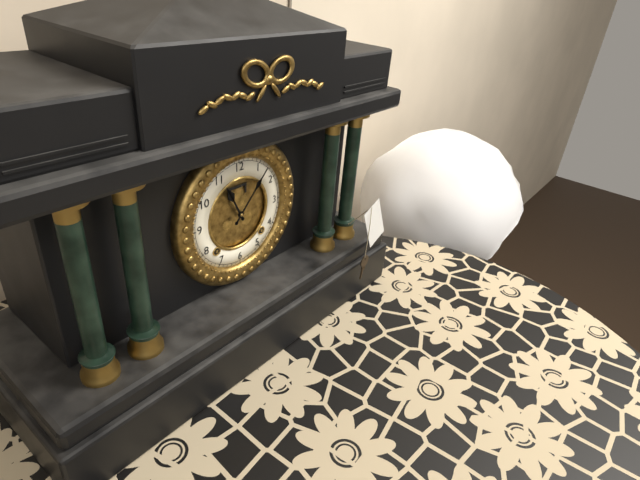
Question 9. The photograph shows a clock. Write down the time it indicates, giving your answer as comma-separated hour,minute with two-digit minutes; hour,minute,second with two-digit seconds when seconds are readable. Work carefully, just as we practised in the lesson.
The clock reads 11,07
